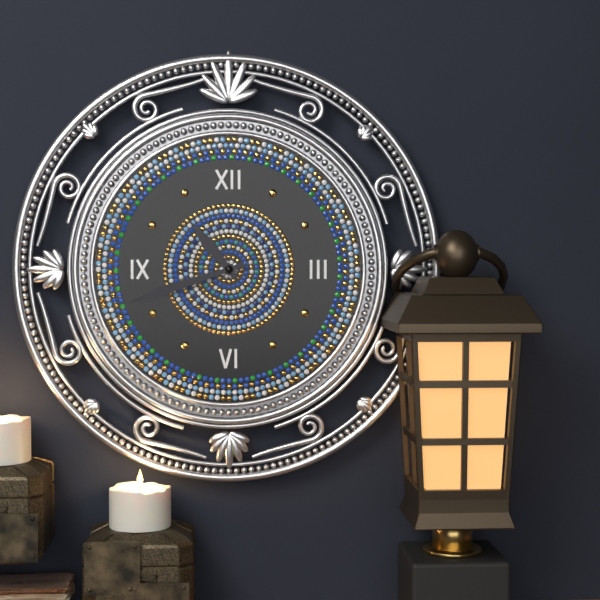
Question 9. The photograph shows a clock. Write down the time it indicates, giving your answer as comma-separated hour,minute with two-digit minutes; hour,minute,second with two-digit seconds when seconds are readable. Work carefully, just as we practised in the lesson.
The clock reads 10,42
